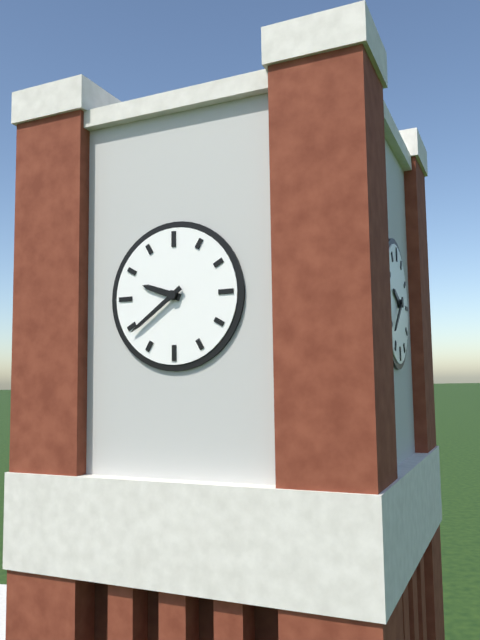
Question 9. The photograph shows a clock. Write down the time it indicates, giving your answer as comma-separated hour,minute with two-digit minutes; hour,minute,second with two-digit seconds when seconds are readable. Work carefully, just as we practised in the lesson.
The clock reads 9,39
